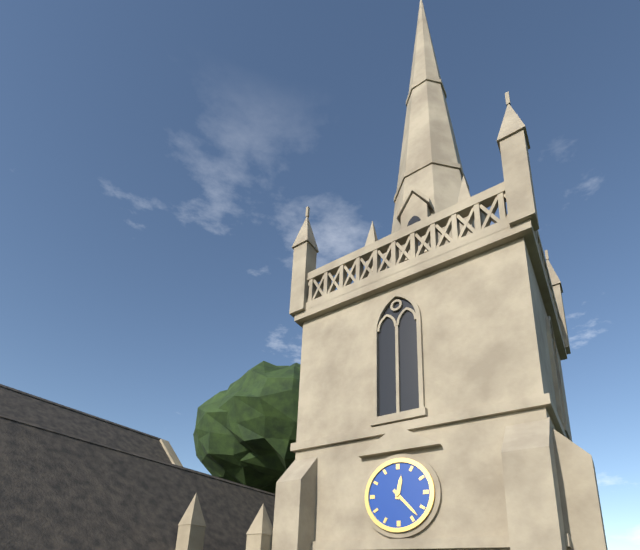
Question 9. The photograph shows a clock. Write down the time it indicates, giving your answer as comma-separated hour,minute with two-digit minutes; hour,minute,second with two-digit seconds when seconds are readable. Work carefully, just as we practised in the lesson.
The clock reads 12,23
